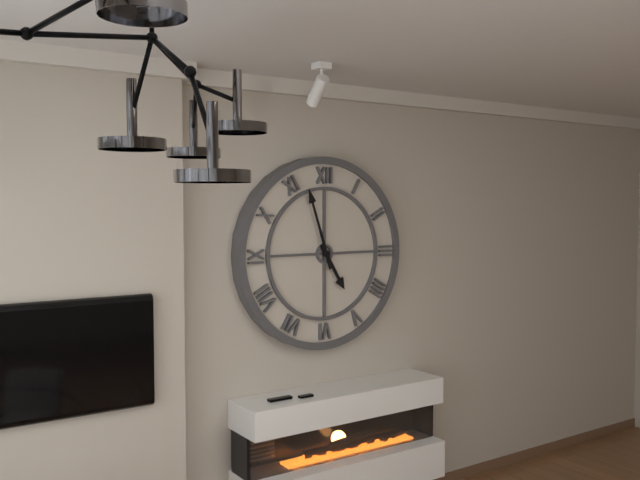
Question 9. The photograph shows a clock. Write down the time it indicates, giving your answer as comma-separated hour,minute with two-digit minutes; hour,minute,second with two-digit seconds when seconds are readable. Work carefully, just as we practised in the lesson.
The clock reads 4,57
